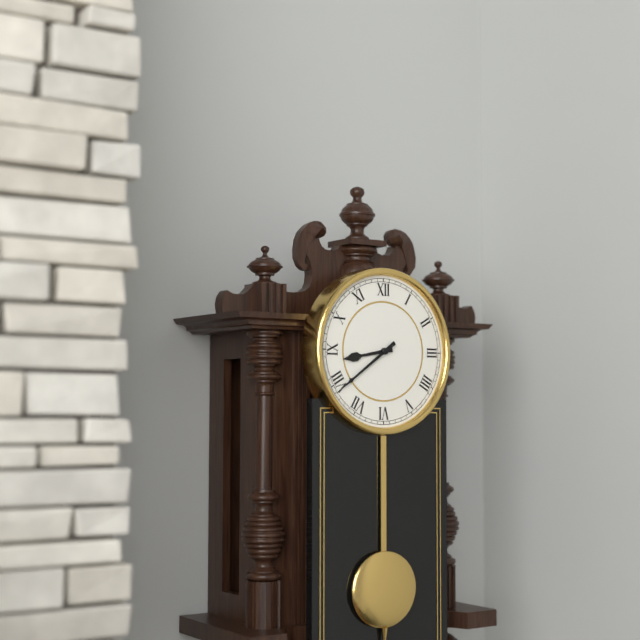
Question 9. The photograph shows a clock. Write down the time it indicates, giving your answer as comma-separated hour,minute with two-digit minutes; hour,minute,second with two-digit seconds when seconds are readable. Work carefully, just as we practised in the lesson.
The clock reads 8,39
